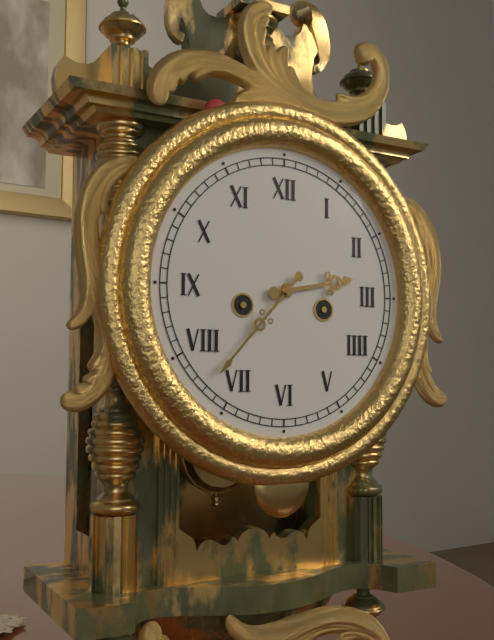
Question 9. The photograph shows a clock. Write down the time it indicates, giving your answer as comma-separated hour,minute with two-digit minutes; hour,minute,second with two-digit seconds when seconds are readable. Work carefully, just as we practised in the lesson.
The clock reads 2,37
